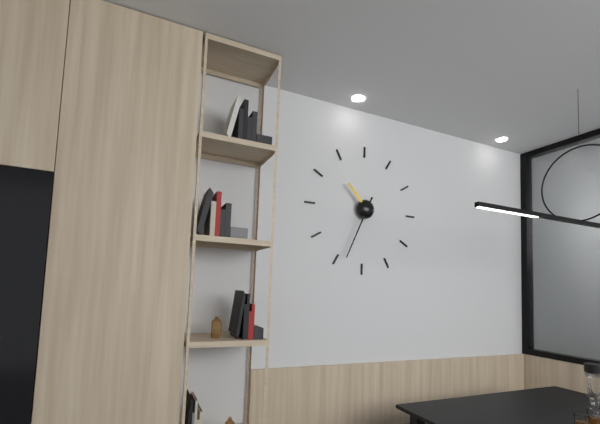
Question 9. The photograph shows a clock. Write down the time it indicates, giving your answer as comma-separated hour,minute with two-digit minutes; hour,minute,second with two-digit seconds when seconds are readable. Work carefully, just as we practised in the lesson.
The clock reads 10,34
